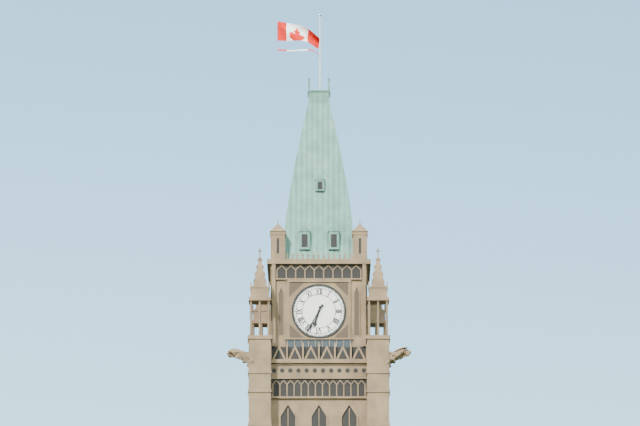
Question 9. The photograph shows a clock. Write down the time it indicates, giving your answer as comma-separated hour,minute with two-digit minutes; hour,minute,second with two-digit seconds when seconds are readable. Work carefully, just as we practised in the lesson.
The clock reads 6,35
